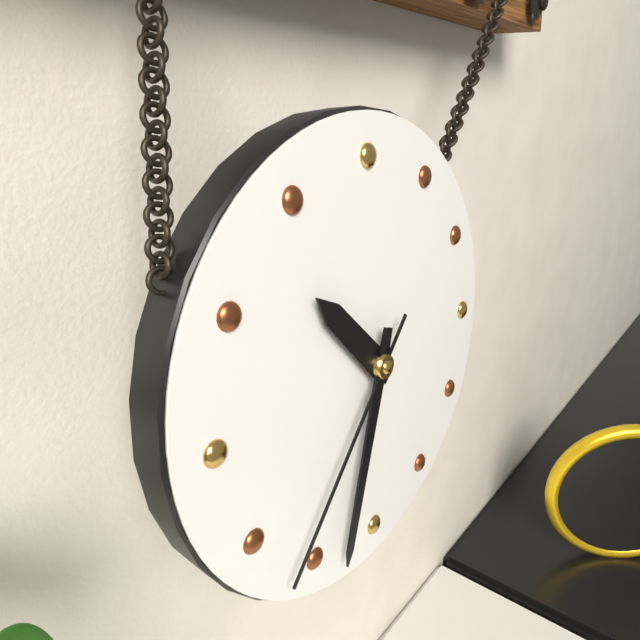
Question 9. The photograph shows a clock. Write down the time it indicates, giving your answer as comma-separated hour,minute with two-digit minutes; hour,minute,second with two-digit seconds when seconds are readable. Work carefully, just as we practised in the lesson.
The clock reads 10,33,37
